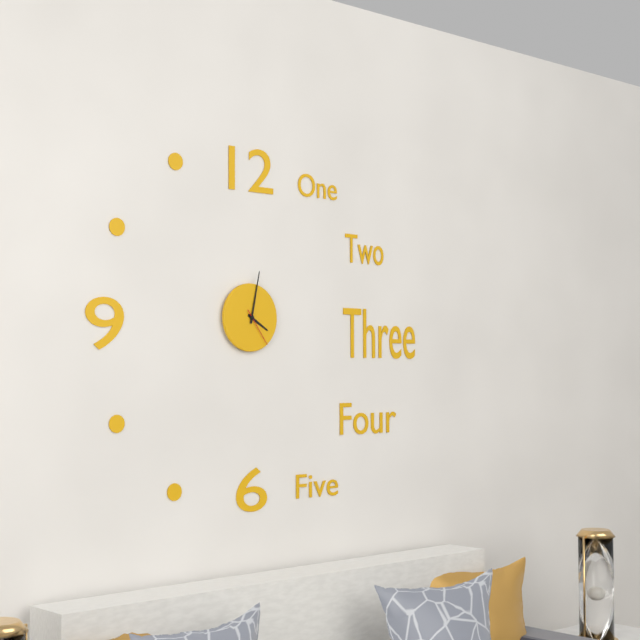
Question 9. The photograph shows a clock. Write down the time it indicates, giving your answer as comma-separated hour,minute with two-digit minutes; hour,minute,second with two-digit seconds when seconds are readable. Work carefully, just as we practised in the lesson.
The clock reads 4,02
